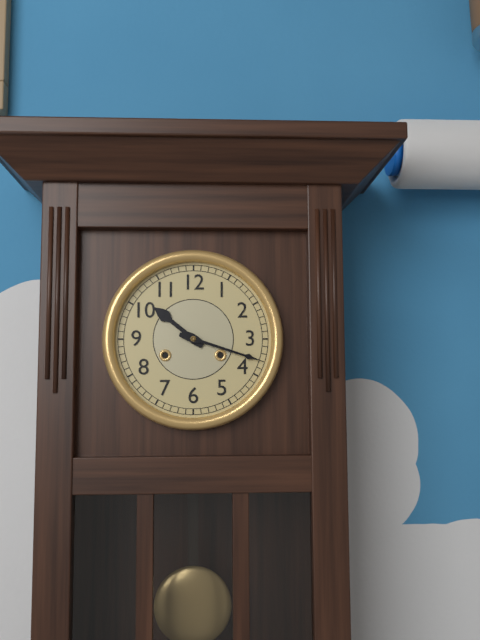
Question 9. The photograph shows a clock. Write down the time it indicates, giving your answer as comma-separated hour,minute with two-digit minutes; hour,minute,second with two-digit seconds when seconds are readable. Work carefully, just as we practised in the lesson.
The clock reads 10,18
